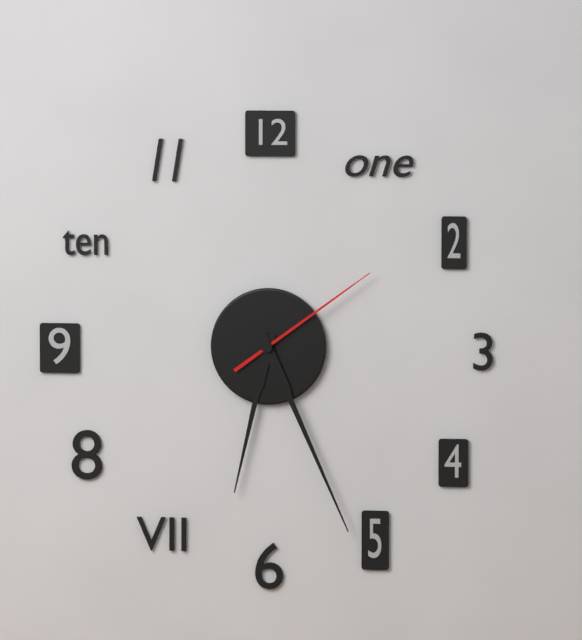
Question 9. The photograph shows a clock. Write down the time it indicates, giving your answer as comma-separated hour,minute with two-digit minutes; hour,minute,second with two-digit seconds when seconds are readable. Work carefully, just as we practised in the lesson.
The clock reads 6,26,09
